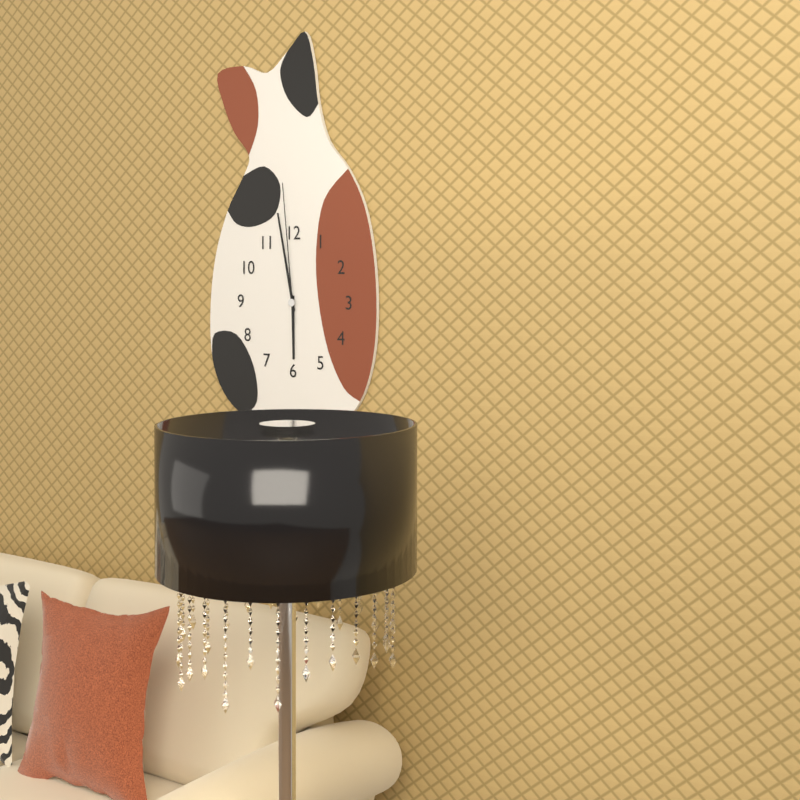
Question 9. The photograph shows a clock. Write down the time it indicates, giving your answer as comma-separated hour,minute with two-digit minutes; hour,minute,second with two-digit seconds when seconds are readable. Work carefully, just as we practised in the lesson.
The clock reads 5,58,59
